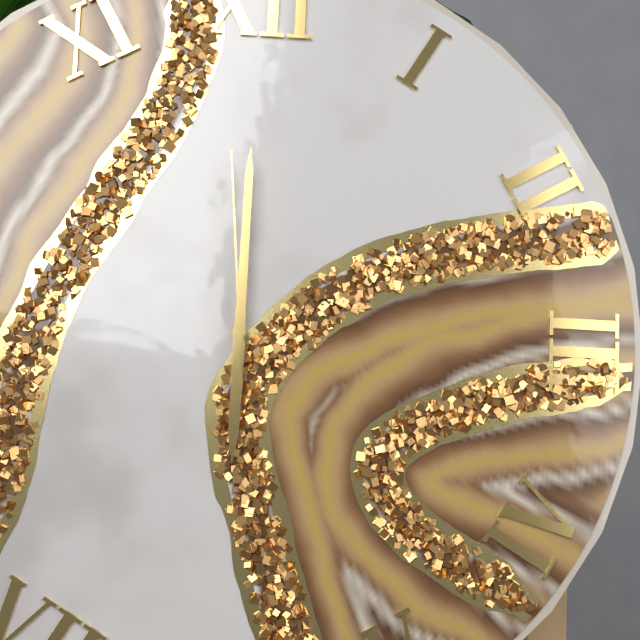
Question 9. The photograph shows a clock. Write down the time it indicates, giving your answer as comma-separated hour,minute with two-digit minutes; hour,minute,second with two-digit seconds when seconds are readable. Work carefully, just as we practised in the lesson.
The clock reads 6,00,59
